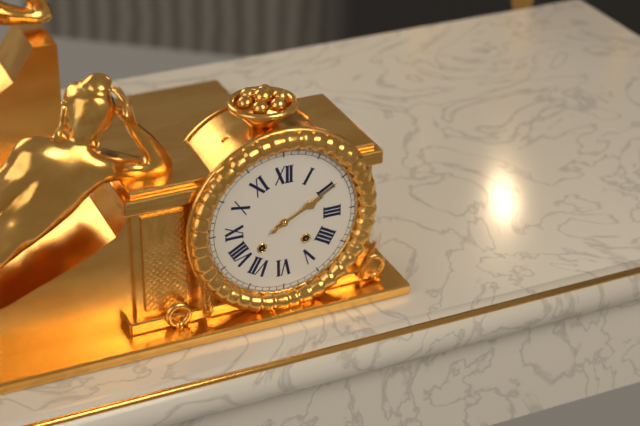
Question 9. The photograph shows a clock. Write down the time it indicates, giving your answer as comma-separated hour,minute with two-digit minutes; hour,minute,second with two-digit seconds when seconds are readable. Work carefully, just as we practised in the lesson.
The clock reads 2,10
